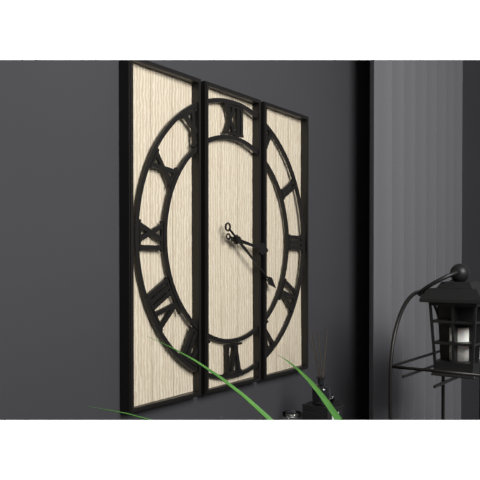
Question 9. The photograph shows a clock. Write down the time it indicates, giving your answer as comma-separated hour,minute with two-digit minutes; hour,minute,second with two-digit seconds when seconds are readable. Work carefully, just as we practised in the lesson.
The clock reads 3,21
